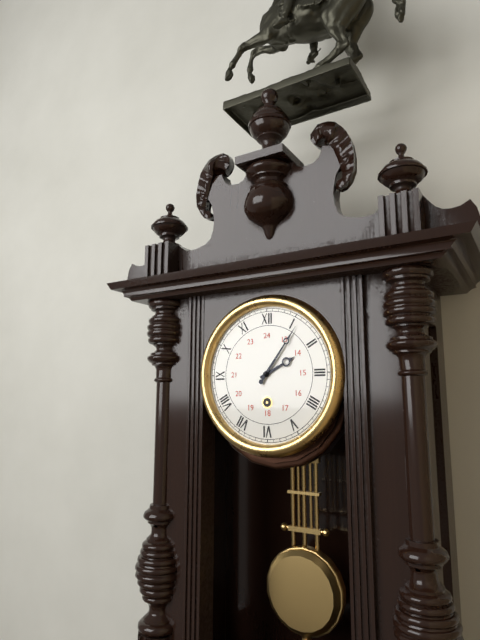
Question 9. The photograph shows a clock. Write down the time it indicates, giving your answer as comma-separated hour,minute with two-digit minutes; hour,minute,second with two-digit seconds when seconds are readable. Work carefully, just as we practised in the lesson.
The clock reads 2,06
